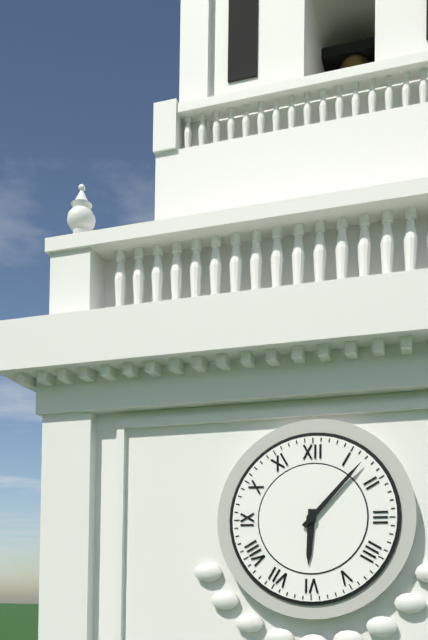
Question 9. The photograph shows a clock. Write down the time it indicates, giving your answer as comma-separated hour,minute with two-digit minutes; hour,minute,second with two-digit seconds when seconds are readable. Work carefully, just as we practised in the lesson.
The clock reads 6,07
